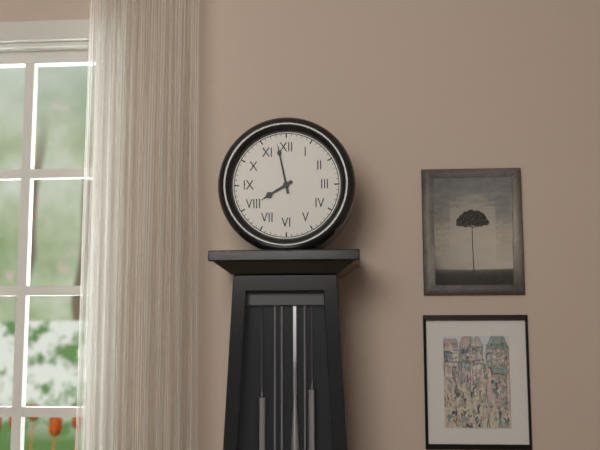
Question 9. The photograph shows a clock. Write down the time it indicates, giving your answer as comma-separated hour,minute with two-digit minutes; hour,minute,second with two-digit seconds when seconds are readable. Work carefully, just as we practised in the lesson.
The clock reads 7,58
